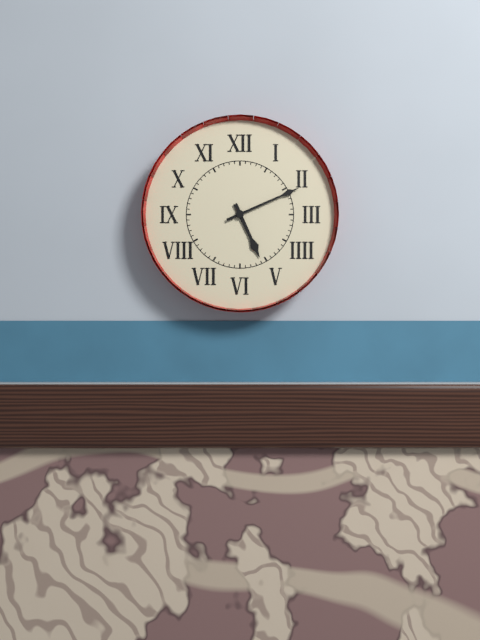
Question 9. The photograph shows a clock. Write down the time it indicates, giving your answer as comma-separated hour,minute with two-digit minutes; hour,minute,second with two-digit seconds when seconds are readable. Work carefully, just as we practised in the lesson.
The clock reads 5,11
